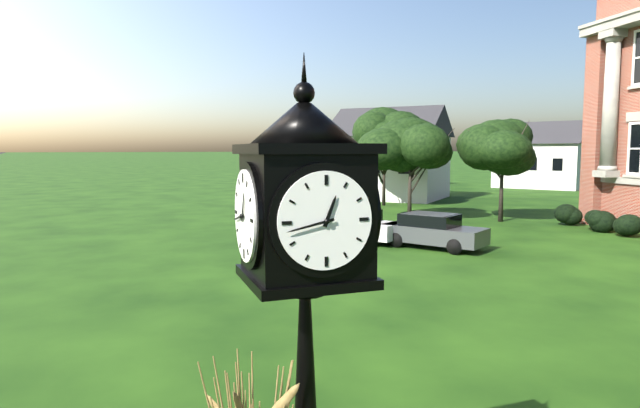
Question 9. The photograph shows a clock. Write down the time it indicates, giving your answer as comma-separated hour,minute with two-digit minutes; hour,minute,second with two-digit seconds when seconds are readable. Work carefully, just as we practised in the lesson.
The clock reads 12,43
